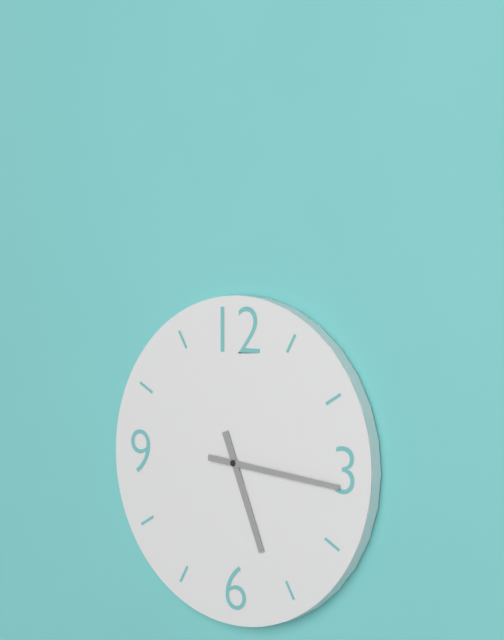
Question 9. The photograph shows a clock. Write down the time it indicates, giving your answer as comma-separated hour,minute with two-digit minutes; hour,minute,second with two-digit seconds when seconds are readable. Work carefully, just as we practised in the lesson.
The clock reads 5,16
